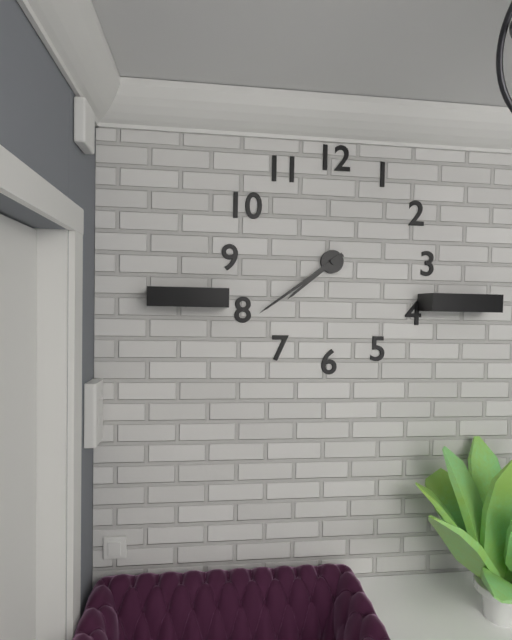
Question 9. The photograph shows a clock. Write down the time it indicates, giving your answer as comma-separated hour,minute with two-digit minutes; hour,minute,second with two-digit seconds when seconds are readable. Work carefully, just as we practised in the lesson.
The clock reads 7,39
